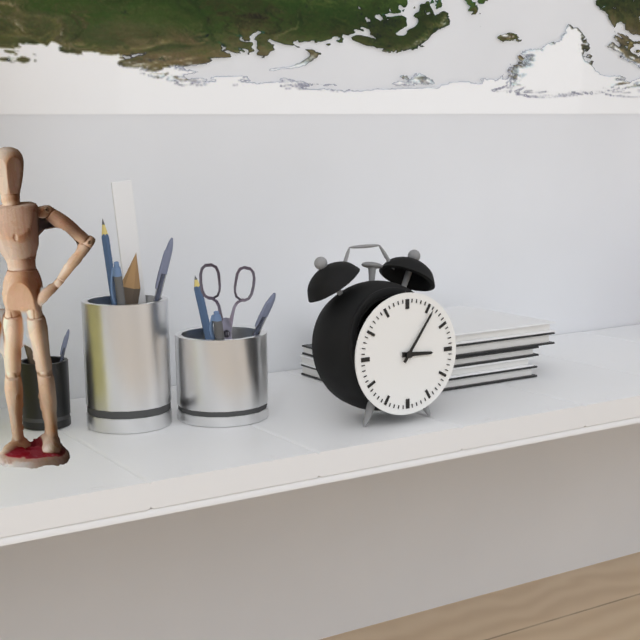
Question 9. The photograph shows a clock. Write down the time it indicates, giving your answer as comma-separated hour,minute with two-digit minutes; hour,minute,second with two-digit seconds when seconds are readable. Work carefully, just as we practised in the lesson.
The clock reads 3,06
